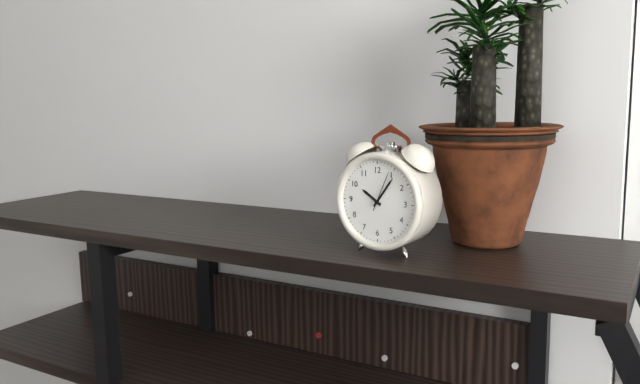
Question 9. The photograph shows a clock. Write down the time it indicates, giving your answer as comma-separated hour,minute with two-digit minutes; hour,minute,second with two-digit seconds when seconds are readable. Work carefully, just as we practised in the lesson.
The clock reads 10,06
